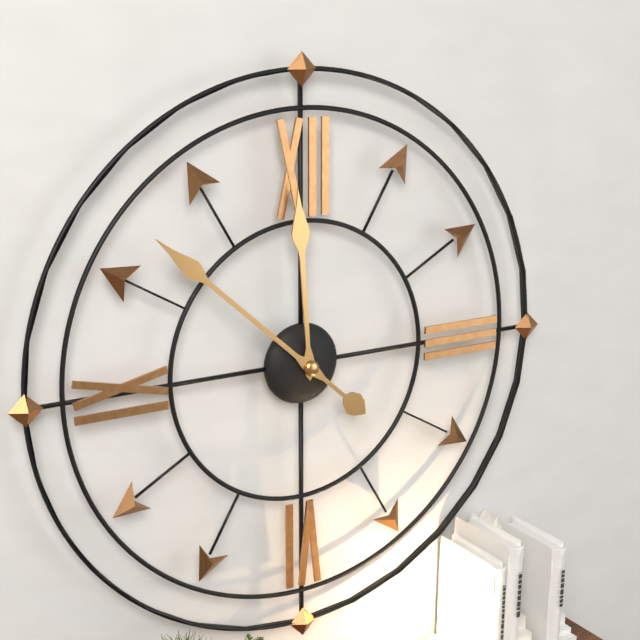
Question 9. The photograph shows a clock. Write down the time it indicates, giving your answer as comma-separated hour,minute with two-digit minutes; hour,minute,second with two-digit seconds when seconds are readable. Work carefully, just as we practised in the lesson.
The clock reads 11,52
